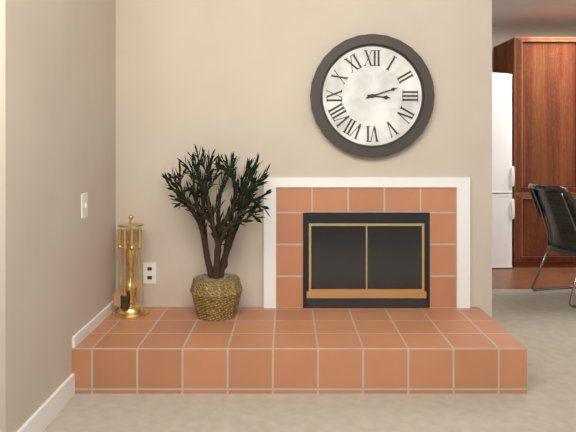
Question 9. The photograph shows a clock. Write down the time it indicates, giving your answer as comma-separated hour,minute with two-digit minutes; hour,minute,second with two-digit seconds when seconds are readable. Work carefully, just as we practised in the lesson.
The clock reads 3,12
